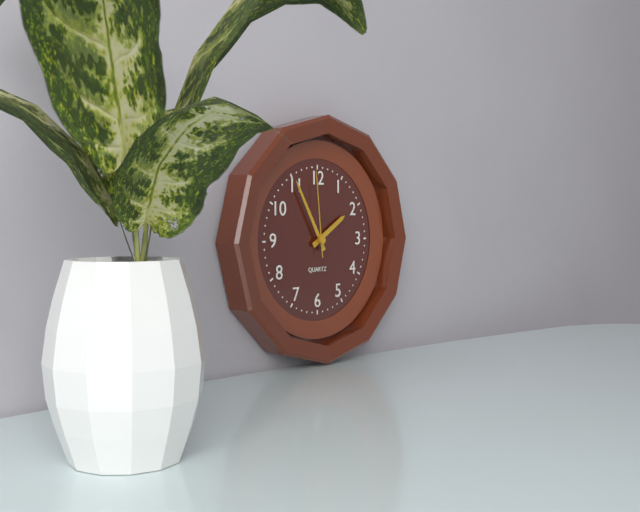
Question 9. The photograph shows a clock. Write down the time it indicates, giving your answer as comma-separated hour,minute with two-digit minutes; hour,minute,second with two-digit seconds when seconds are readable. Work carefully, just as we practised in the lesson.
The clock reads 1,55,59
